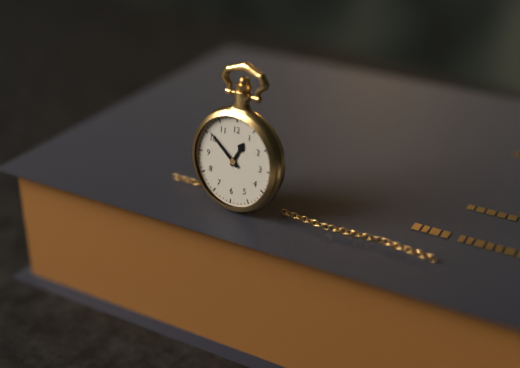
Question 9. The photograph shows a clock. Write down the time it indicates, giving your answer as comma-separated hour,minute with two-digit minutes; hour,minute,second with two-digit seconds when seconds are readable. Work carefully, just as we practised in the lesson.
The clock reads 12,51
